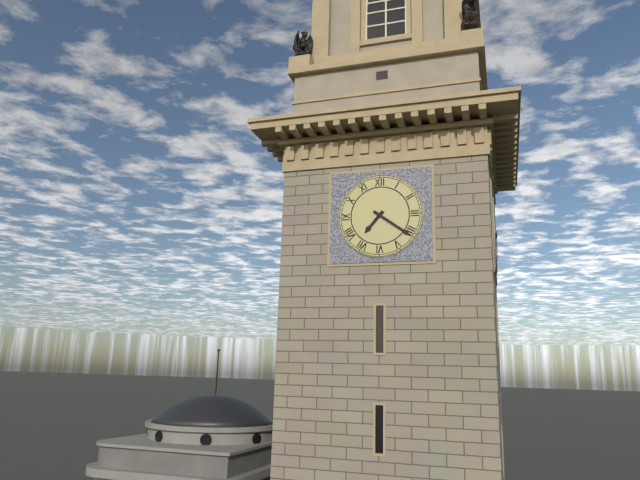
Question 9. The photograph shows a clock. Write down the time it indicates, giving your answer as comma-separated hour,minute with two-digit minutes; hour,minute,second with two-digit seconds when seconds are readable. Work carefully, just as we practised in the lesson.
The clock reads 7,21
